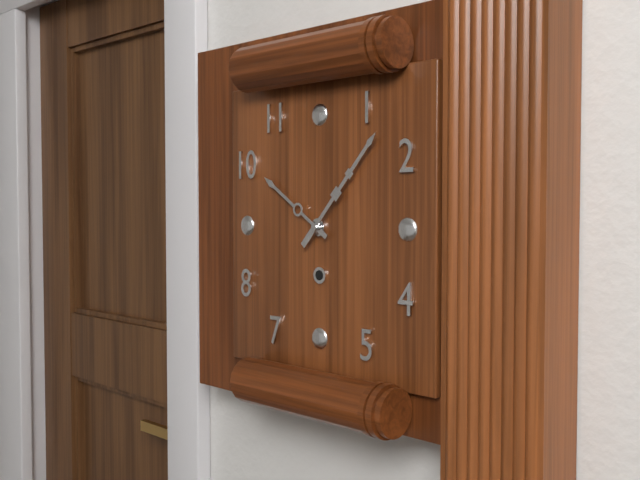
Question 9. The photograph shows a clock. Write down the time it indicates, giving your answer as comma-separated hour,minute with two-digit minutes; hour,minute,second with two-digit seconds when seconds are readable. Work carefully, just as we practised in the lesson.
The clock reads 10,07
